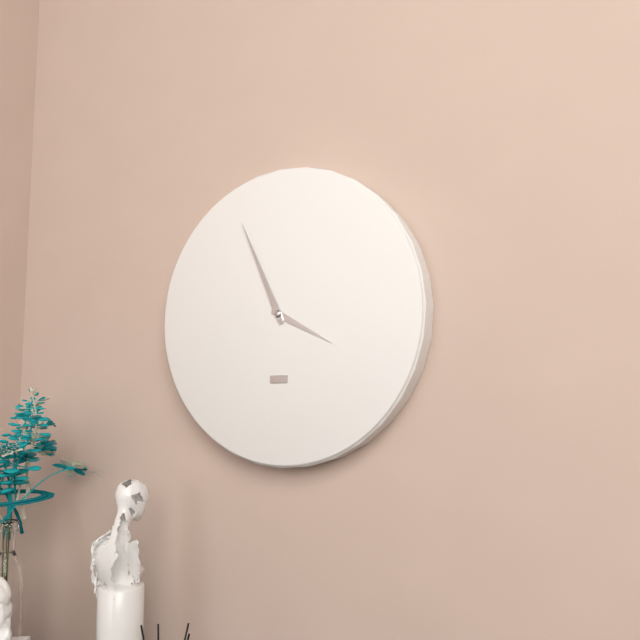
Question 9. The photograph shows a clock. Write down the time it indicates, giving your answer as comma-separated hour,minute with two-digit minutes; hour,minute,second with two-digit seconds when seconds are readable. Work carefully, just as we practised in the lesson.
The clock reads 3,56
